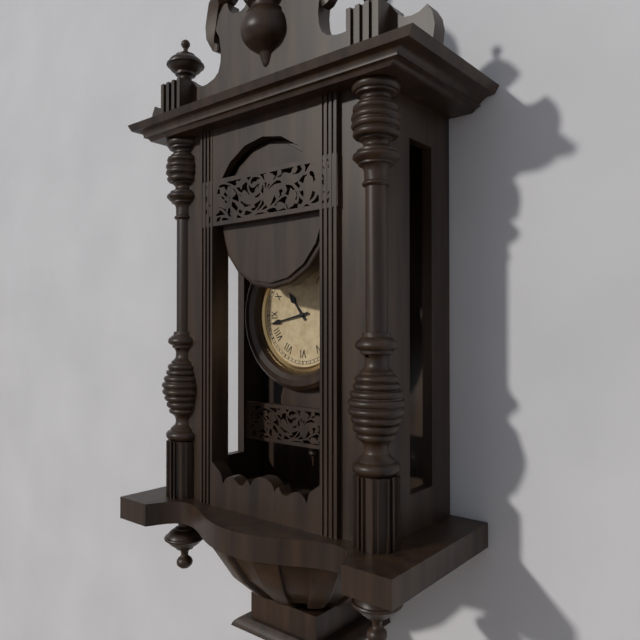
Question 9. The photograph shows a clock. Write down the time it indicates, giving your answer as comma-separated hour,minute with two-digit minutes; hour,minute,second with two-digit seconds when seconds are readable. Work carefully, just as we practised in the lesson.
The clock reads 10,43
